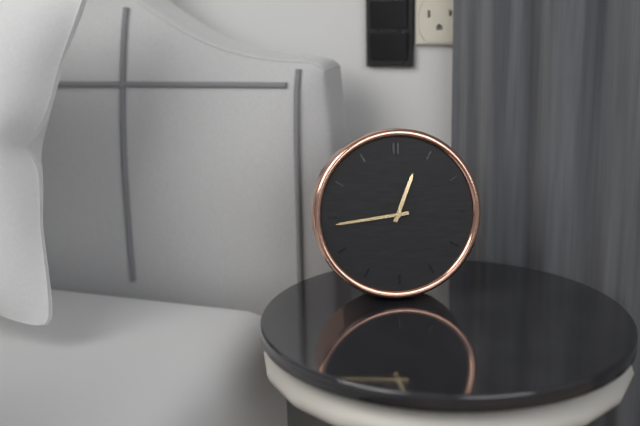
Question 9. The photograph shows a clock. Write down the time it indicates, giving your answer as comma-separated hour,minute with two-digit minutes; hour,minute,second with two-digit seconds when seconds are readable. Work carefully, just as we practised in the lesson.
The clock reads 12,44
